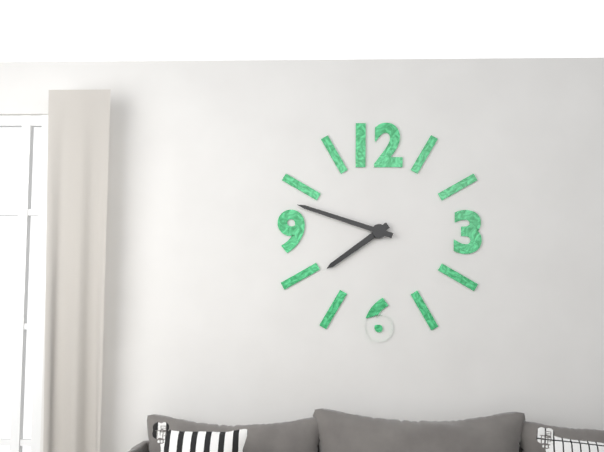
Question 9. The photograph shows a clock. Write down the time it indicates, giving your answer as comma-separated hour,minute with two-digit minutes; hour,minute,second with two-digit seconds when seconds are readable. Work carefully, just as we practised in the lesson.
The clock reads 7,48
